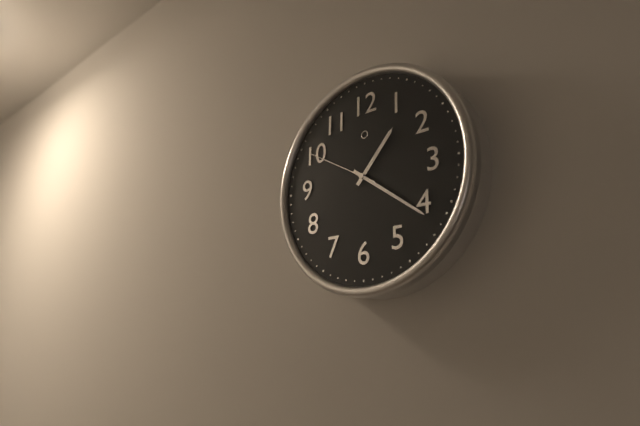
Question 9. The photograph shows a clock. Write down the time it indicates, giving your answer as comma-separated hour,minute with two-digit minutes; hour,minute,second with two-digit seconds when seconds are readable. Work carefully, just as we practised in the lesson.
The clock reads 1,21,50
